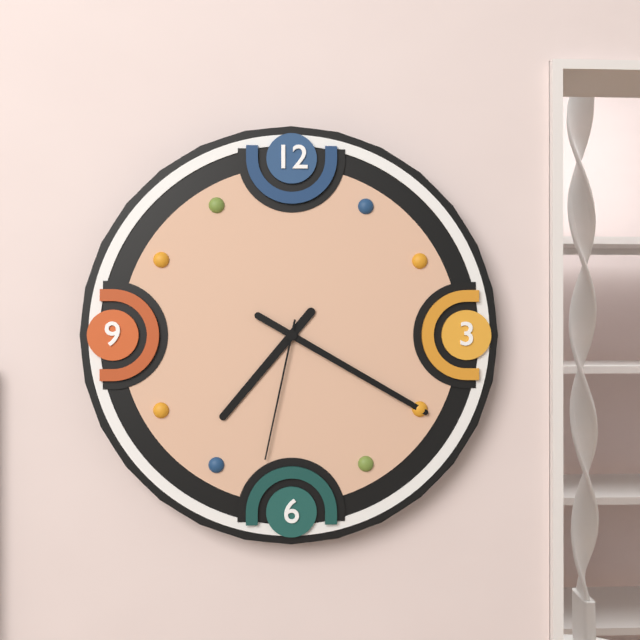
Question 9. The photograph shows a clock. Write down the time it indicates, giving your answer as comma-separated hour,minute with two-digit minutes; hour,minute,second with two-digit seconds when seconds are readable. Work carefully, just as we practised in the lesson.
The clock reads 7,20,32
